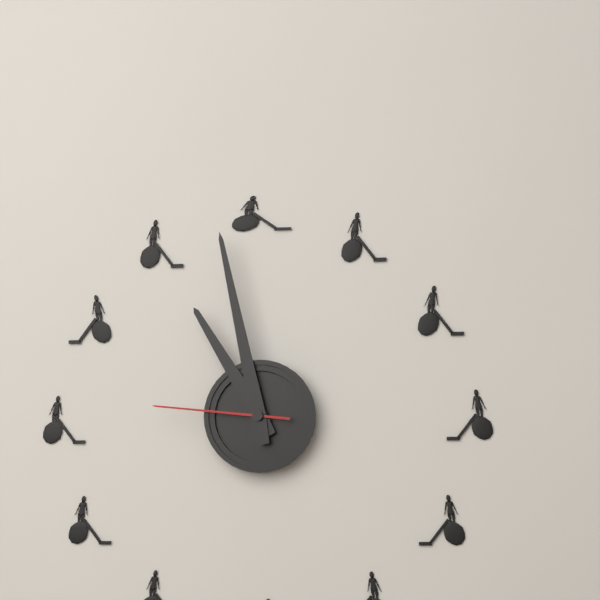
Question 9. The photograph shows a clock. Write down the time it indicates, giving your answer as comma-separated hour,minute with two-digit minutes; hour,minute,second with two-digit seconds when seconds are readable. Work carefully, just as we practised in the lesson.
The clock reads 10,58,46
